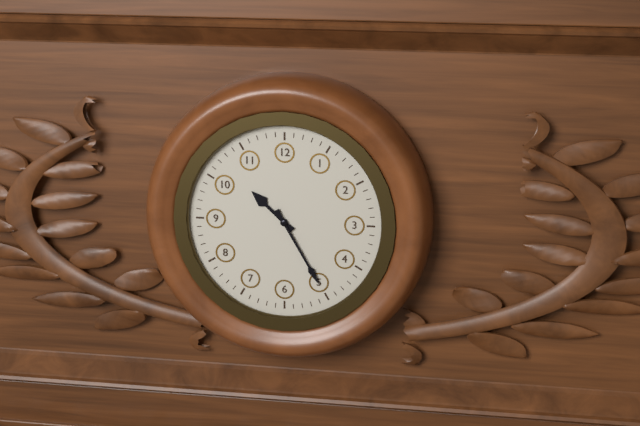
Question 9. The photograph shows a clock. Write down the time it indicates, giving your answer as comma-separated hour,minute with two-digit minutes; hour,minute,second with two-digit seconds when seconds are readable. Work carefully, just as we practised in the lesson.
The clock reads 10,25
